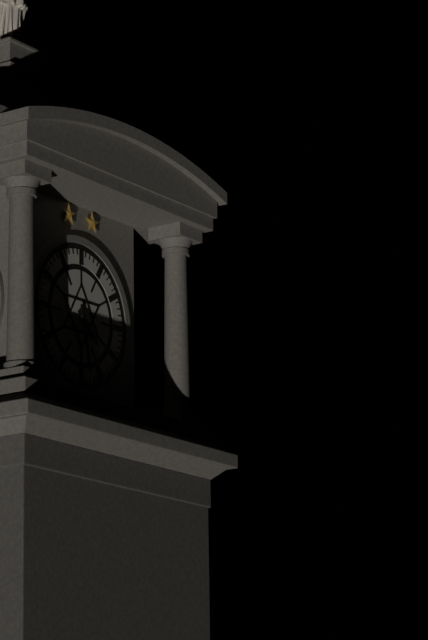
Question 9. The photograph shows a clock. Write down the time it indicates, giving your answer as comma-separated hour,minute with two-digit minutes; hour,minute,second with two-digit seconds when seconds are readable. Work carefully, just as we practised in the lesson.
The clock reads 4,28
